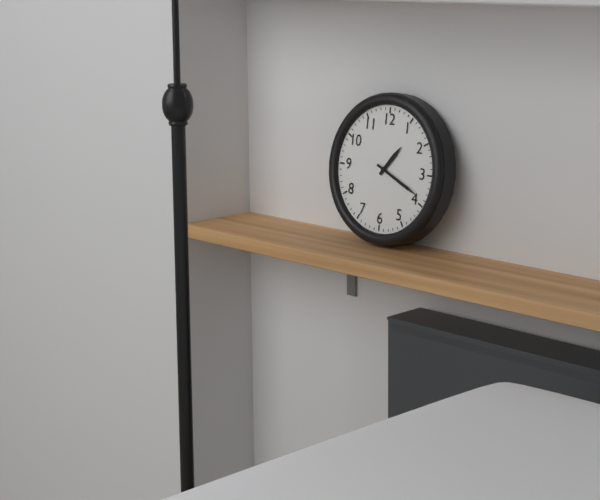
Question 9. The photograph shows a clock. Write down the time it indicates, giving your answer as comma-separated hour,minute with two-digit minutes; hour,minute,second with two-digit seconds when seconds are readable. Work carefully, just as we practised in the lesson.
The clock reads 1,19
